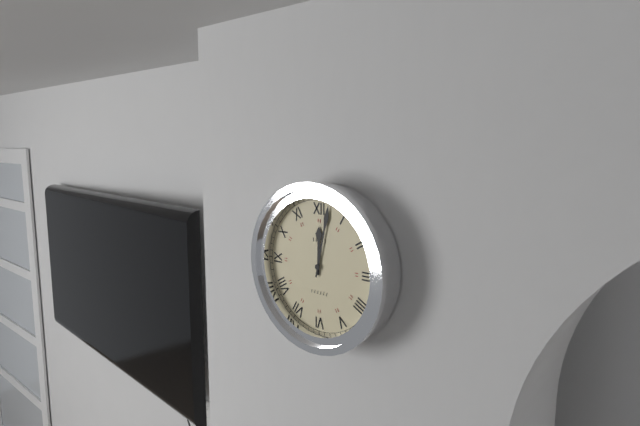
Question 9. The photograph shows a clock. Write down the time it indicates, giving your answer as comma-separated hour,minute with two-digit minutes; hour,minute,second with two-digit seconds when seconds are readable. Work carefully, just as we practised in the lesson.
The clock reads 12,02
